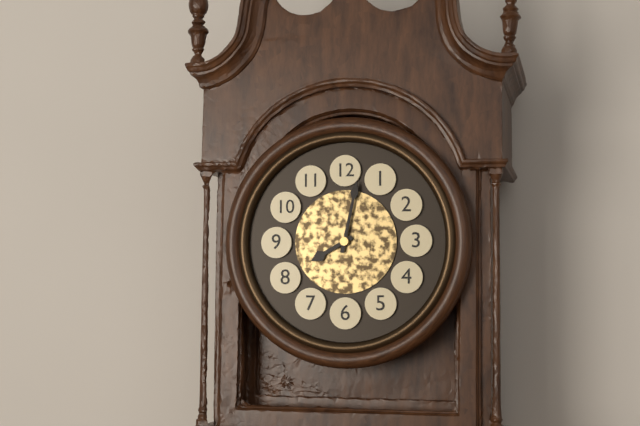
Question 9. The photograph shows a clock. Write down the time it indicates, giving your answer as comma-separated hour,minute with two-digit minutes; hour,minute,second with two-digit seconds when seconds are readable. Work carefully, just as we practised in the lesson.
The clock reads 8,02
